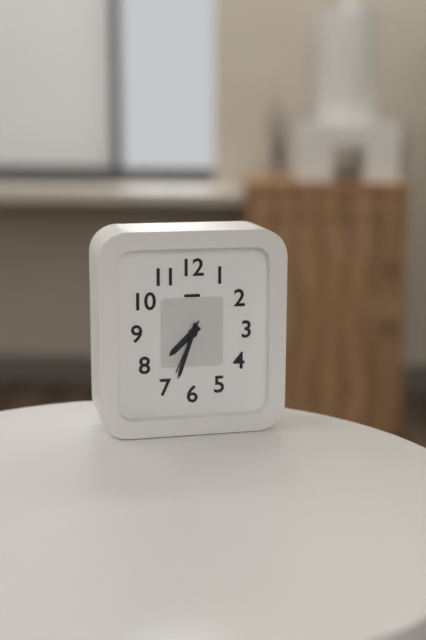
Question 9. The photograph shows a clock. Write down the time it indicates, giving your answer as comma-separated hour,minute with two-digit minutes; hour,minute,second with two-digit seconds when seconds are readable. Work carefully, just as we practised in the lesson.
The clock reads 7,33,34
